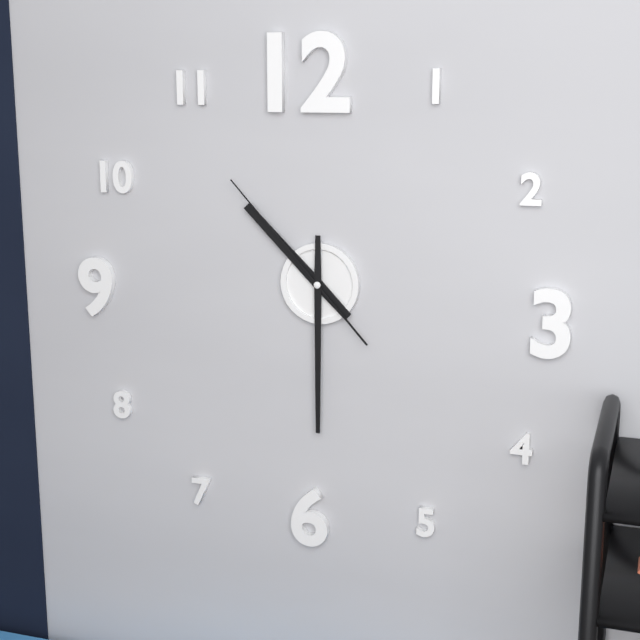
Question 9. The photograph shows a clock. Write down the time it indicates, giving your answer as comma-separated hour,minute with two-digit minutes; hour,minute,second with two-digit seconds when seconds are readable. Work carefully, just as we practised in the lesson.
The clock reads 10,30,53
